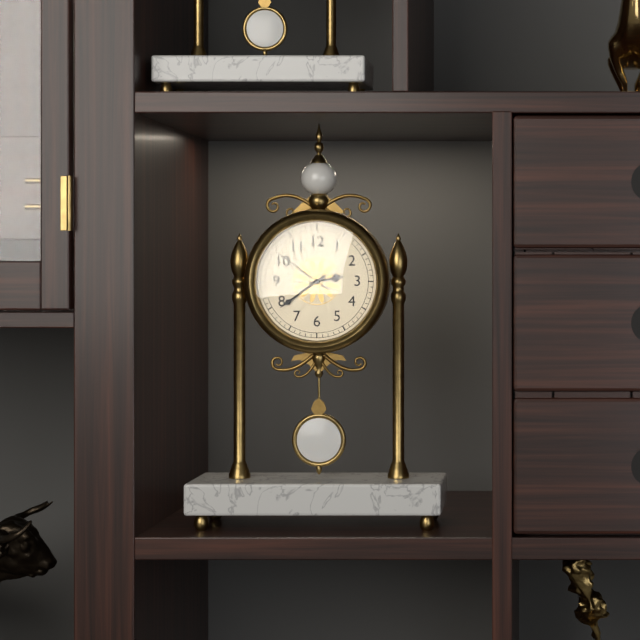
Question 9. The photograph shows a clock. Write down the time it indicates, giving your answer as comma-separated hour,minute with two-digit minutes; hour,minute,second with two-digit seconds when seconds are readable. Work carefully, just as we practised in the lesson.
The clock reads 2,39,51
